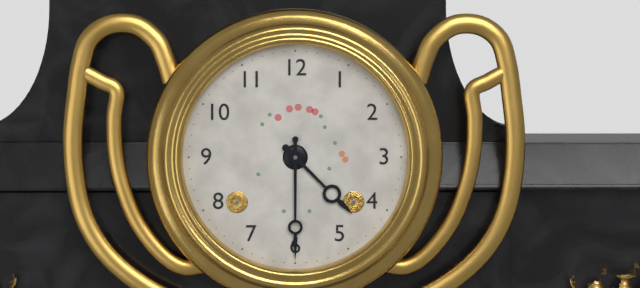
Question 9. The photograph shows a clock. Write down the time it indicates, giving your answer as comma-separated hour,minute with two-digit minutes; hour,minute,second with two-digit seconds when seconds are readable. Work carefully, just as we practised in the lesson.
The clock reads 4,30
